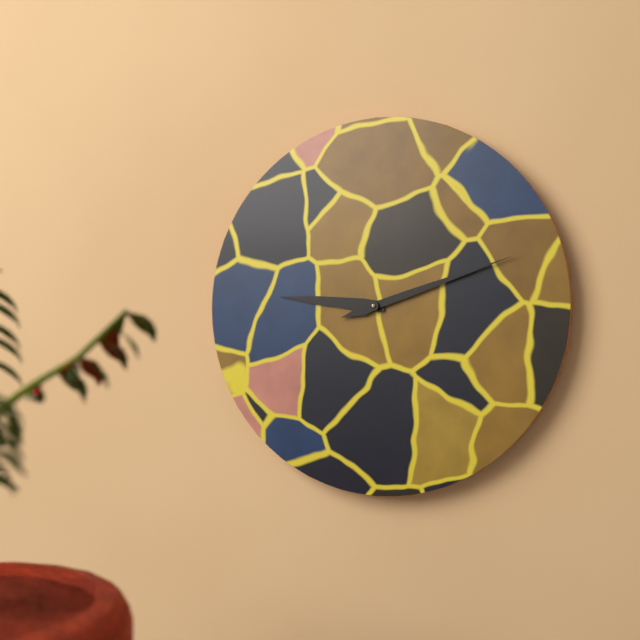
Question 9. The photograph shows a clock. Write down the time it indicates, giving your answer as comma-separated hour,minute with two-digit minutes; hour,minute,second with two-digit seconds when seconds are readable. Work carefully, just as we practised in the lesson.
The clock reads 9,12
